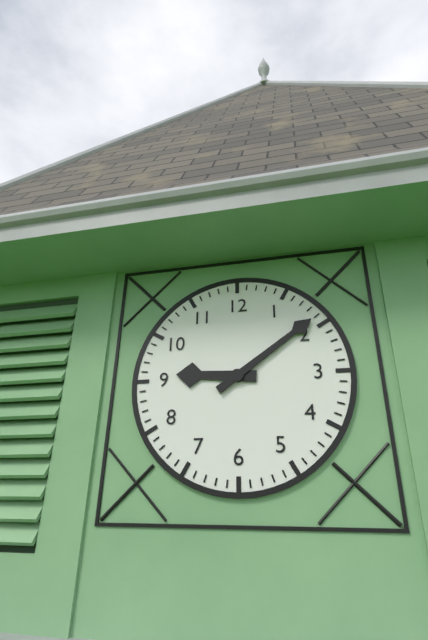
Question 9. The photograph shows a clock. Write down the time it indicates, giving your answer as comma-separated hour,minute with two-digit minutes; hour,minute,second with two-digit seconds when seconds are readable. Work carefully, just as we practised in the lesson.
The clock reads 9,09
